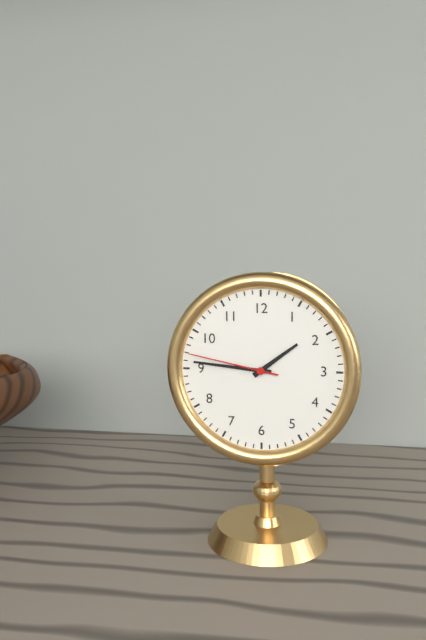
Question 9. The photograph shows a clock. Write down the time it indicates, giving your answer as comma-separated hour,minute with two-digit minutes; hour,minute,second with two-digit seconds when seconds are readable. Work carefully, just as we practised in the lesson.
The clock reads 1,46,47
